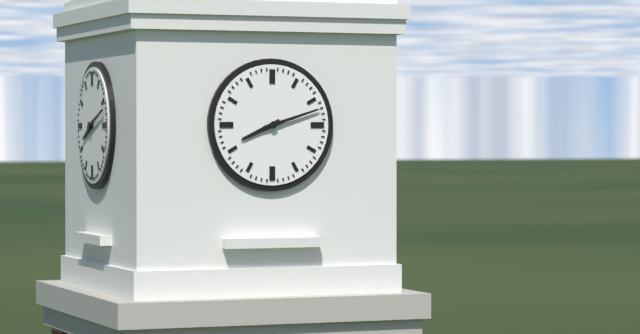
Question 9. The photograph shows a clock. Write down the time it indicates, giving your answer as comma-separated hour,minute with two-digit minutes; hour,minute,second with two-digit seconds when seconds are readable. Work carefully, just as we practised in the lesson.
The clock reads 8,12
